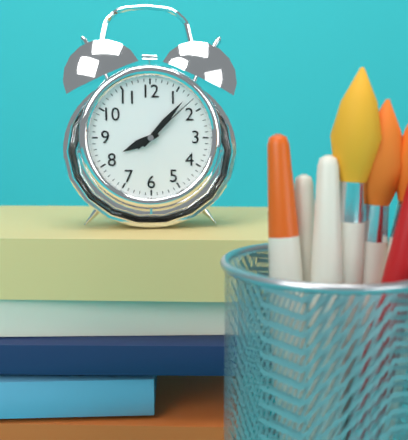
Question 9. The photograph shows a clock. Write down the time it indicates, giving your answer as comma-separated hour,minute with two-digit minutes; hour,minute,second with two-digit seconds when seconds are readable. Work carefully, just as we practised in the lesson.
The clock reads 8,07,08
